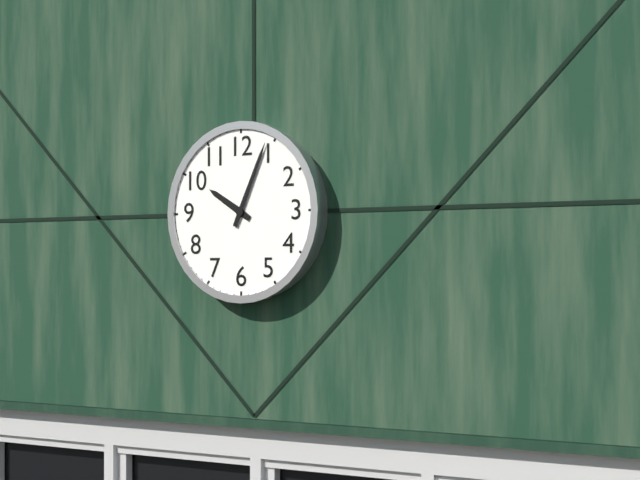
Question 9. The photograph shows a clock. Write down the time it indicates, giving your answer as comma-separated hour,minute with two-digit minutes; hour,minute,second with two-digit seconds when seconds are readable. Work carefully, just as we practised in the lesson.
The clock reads 10,04
